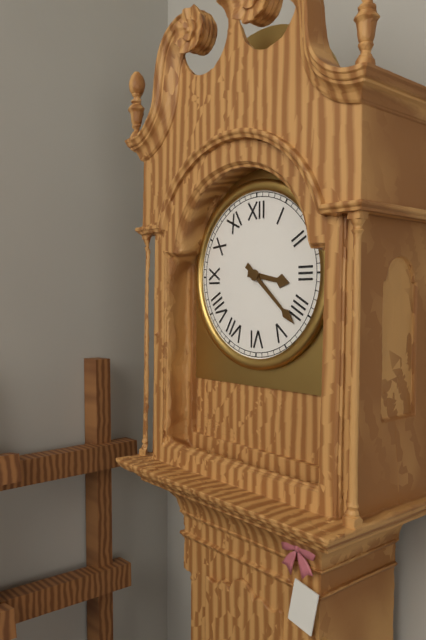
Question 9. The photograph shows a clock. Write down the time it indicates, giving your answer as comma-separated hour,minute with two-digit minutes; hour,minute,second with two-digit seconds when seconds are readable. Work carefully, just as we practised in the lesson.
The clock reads 3,22
